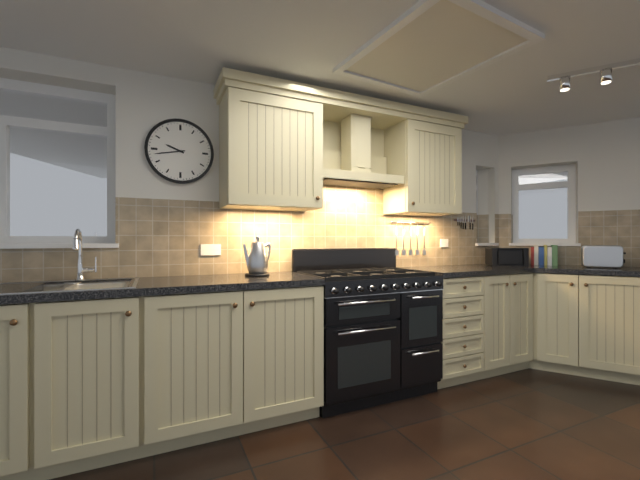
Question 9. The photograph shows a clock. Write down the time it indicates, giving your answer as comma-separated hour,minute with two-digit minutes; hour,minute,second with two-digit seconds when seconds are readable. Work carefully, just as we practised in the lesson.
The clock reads 9,43
